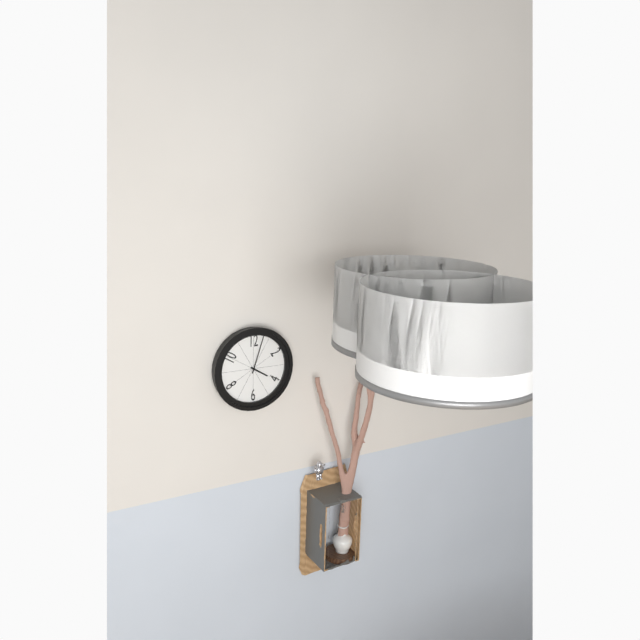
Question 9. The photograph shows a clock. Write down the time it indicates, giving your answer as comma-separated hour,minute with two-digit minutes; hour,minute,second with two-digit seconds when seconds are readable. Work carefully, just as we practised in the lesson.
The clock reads 4,03
